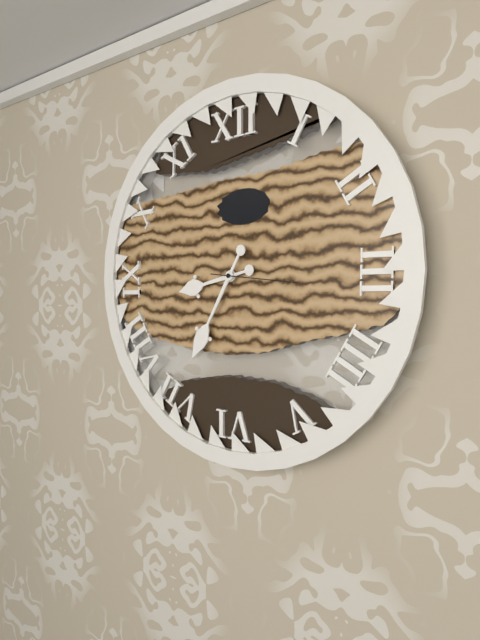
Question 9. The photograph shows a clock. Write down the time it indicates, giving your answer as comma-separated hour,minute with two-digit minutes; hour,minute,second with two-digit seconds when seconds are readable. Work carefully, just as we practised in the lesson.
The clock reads 8,35,16
